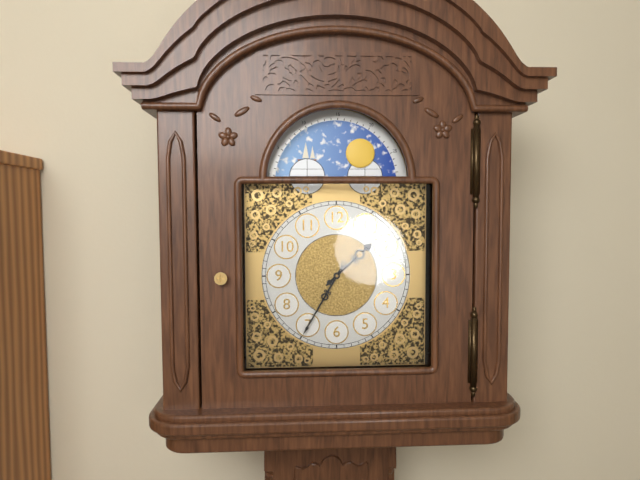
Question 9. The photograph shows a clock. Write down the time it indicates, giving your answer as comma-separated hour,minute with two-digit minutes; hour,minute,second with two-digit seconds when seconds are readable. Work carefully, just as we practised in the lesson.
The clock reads 1,35
